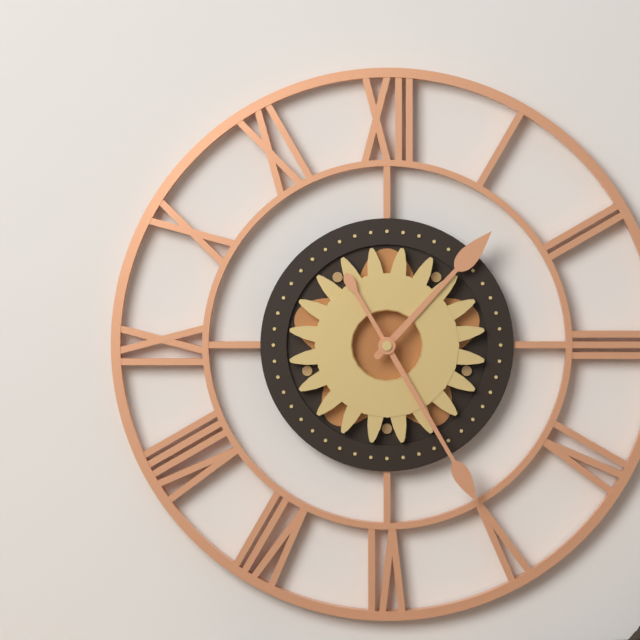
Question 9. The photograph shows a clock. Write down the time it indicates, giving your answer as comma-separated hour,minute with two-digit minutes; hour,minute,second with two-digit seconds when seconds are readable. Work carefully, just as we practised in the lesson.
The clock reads 1,25
